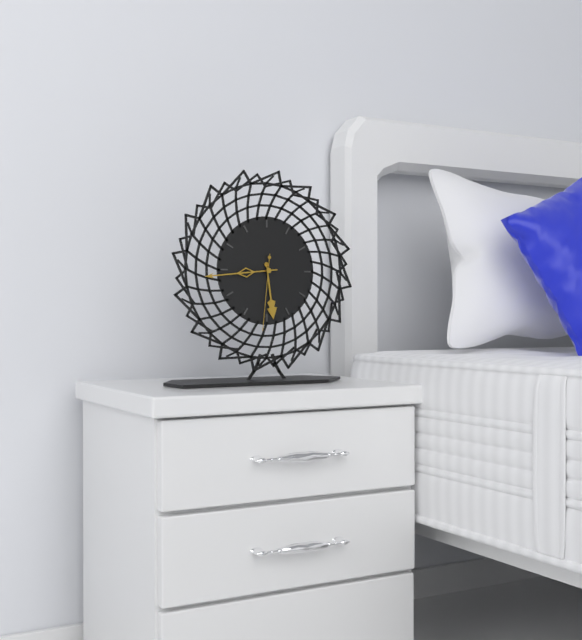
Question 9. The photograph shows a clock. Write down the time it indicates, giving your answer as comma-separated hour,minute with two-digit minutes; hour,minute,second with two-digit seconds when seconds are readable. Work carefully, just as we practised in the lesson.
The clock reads 5,44,31
